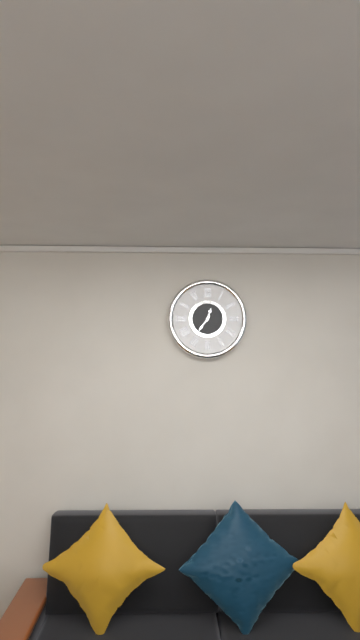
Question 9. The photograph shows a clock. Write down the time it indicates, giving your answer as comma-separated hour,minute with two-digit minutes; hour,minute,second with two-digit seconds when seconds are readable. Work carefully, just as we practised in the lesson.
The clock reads 12,36
